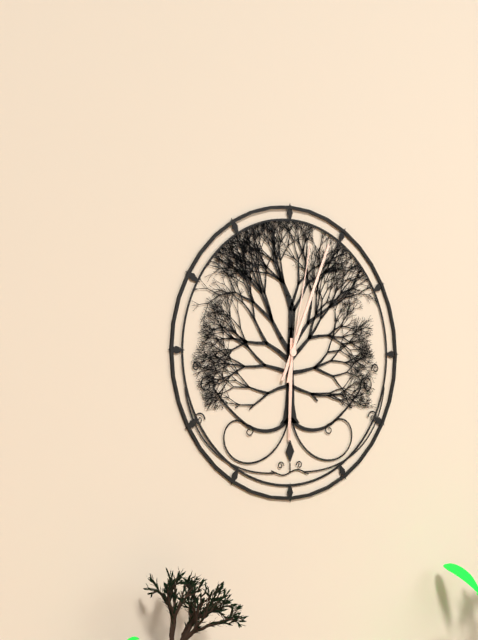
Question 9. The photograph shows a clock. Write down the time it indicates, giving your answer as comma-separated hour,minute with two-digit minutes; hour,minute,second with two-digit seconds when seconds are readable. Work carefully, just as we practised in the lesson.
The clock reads 6,04,02
